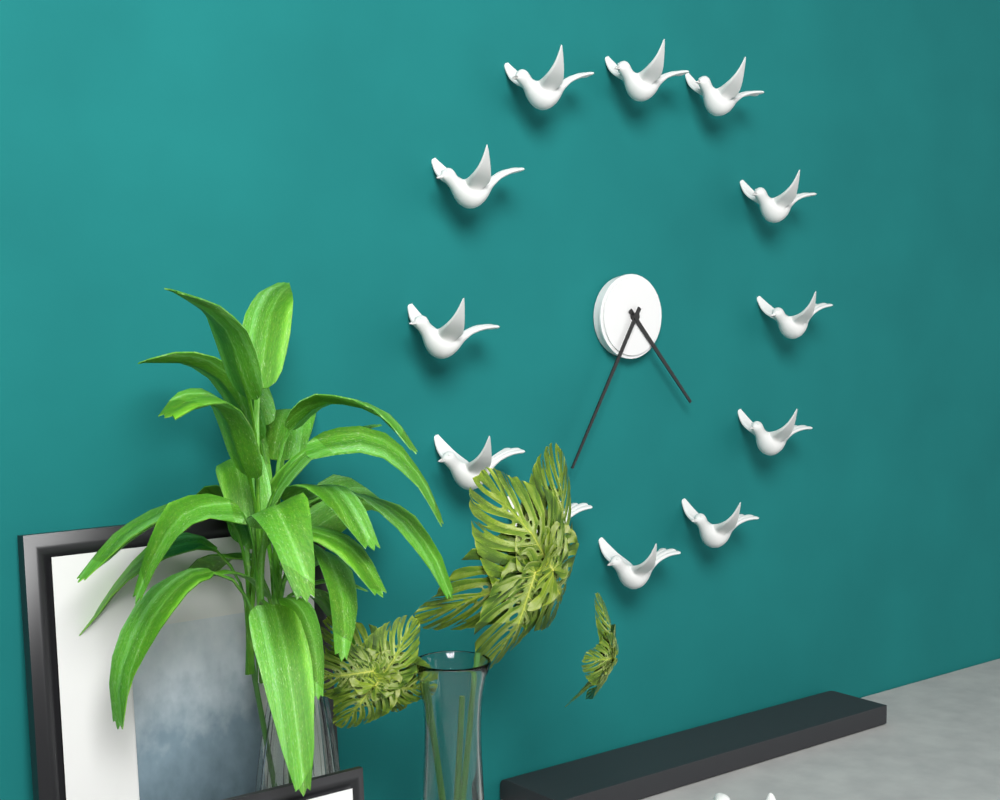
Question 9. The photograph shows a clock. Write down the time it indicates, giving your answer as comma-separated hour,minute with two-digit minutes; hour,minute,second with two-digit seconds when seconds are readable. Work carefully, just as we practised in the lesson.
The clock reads 4,35
